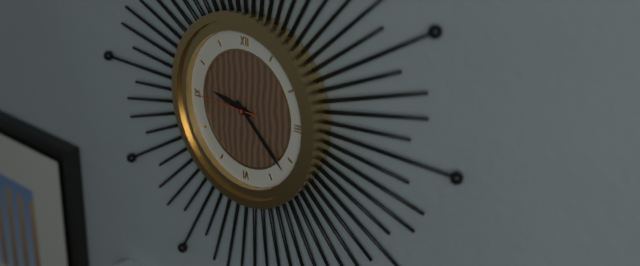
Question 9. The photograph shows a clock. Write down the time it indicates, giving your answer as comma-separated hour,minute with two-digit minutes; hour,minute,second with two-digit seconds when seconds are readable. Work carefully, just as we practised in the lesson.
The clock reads 9,22,45
